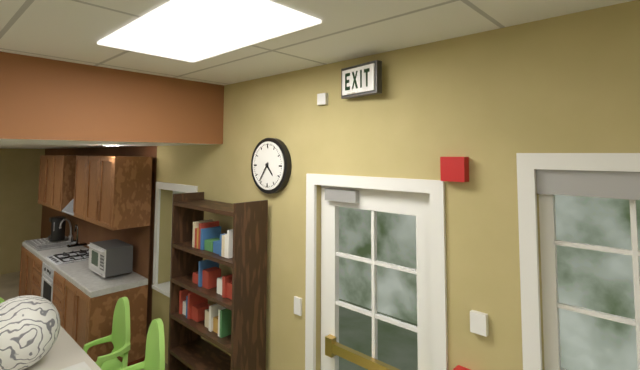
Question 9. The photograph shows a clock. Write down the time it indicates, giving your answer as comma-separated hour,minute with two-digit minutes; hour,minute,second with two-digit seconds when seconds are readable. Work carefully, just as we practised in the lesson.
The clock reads 4,36
